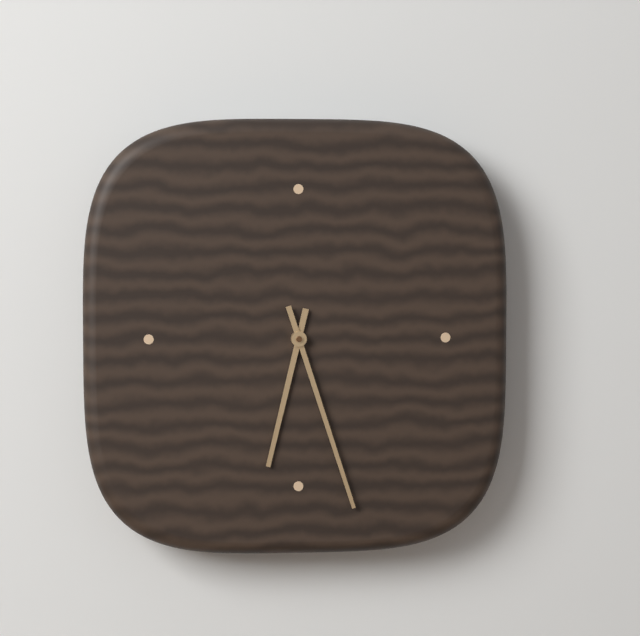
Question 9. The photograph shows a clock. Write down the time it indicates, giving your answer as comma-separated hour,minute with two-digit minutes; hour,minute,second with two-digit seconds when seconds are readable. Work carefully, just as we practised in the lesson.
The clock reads 6,27
